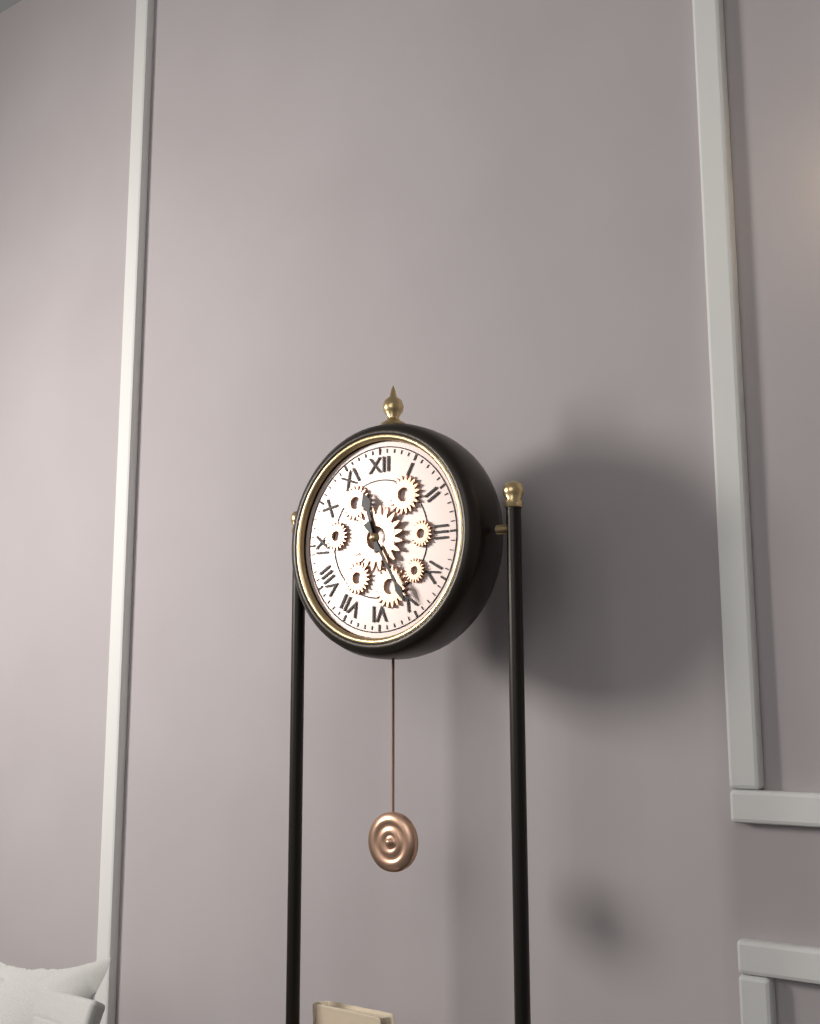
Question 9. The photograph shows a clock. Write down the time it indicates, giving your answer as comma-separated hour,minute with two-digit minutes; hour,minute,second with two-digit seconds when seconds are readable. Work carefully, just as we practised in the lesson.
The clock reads 11,25
